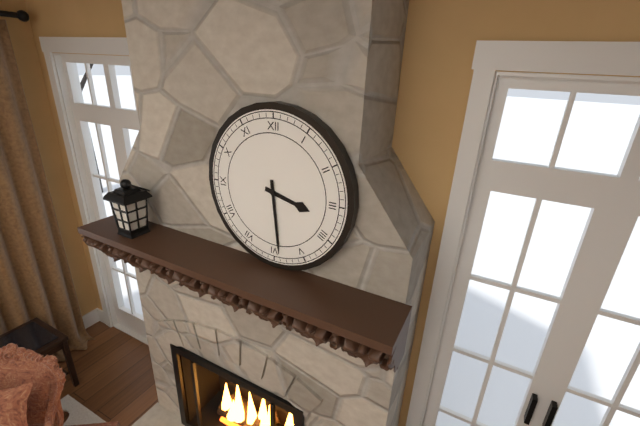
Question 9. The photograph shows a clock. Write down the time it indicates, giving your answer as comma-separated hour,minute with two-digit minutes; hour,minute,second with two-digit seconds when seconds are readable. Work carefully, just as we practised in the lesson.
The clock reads 3,29
